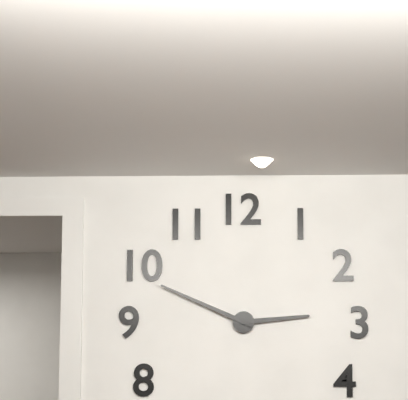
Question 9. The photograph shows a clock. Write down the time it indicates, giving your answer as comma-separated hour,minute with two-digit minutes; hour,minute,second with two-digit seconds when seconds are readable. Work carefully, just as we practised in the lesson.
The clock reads 2,49
